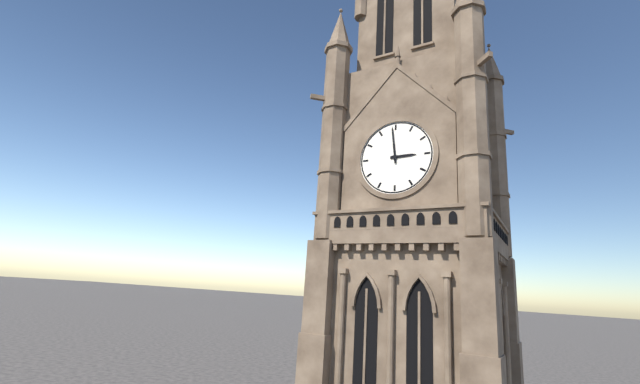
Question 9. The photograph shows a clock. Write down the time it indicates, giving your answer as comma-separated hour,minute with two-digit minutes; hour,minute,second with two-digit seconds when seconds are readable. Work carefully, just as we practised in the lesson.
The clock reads 2,59
